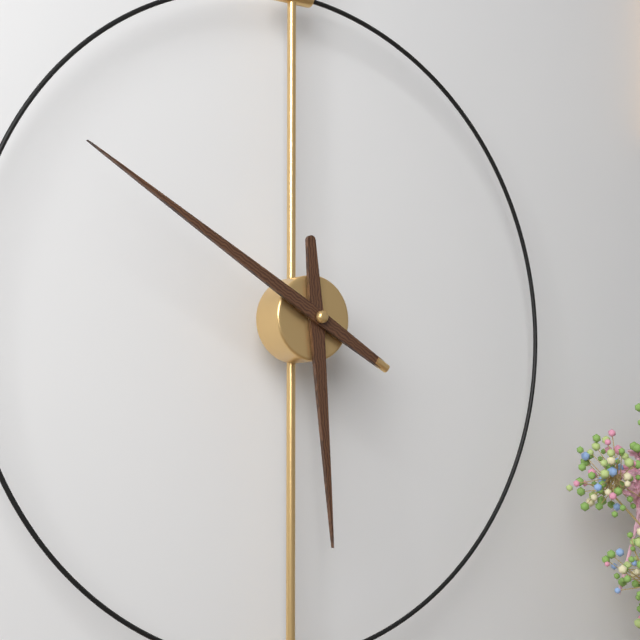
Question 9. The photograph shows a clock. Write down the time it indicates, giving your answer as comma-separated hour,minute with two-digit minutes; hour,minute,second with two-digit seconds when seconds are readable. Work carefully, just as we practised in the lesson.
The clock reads 5,50
